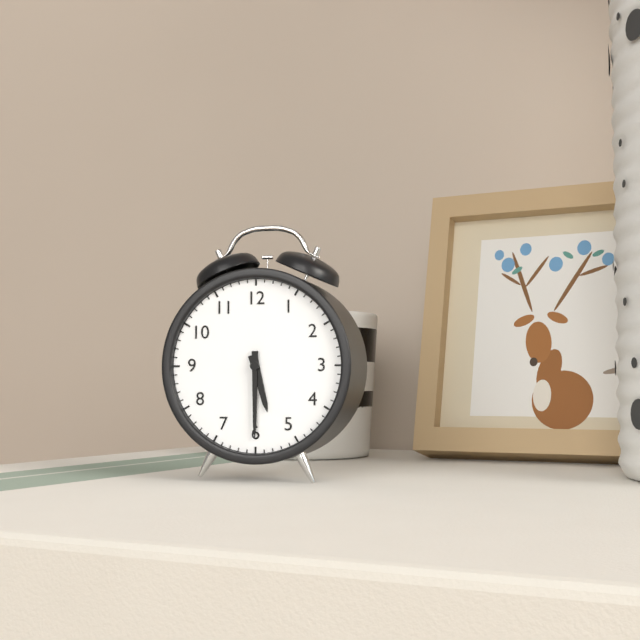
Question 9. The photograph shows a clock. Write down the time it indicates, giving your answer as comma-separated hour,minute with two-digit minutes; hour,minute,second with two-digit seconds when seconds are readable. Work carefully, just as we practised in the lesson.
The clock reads 5,30
